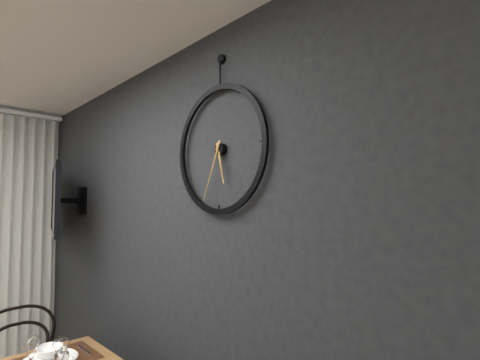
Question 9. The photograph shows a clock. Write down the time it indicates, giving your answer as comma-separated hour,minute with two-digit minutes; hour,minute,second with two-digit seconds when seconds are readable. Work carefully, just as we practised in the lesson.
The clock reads 5,34
